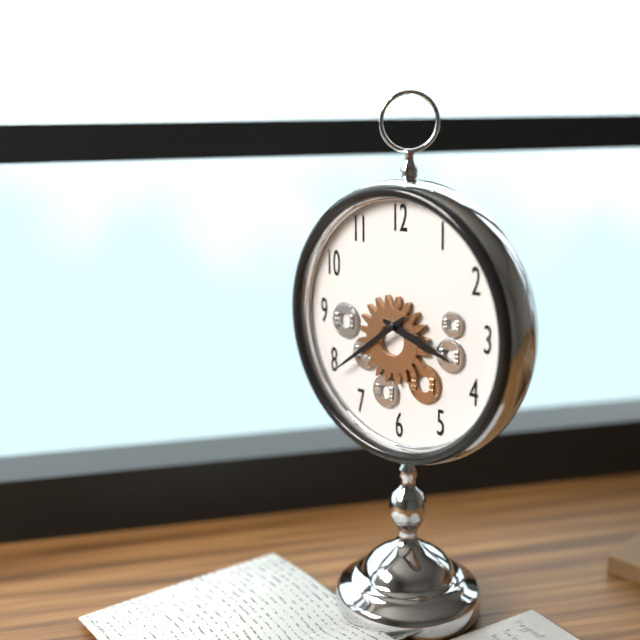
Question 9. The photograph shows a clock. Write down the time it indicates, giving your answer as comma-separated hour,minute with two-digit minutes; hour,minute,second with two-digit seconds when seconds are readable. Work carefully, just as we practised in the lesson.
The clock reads 3,39
